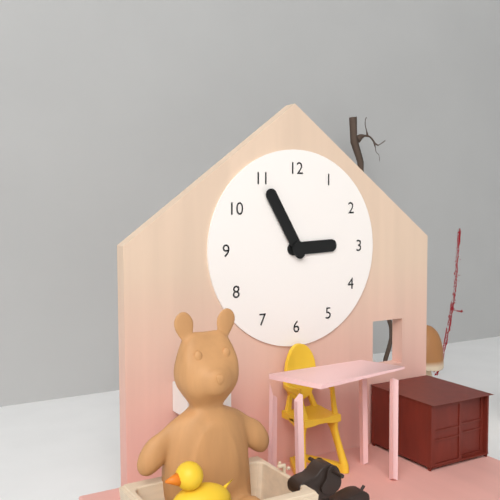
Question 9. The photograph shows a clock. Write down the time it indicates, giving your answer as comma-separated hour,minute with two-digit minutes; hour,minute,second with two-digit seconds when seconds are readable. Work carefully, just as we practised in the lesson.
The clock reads 2,55
